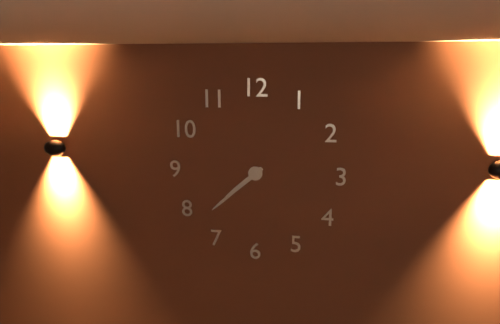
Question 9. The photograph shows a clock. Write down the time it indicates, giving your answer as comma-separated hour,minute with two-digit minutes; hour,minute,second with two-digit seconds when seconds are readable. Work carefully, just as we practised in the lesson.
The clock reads 7,38
